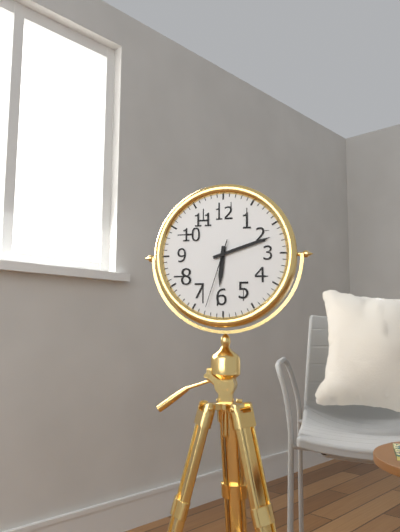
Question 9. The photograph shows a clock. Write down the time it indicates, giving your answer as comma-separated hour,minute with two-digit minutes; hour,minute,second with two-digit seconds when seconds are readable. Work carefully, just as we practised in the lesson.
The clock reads 6,12,33
